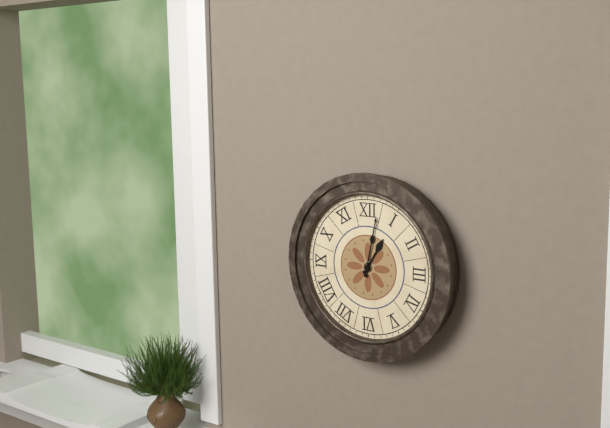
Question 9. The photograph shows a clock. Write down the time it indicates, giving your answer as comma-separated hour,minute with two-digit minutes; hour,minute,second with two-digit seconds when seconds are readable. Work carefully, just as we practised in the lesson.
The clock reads 1,02
